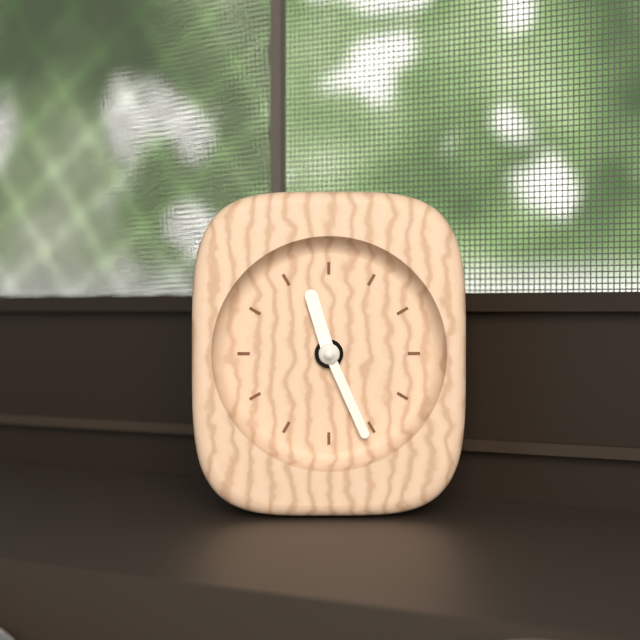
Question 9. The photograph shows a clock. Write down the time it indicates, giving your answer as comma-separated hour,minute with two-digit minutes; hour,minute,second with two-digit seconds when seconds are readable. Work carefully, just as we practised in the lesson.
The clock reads 11,26
